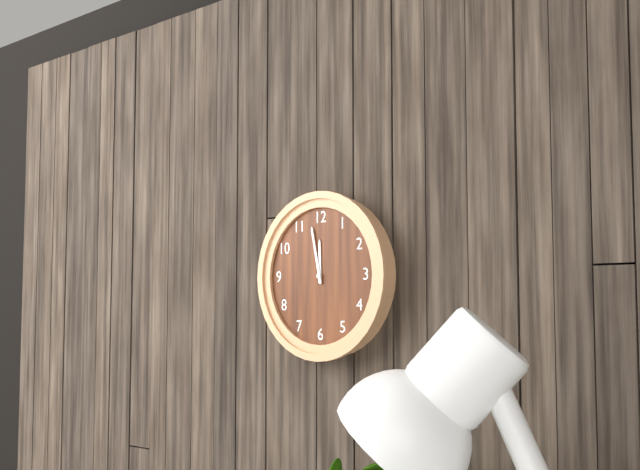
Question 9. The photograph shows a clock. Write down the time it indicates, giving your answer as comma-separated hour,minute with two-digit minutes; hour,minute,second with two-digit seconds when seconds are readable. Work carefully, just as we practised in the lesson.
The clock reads 11,58
